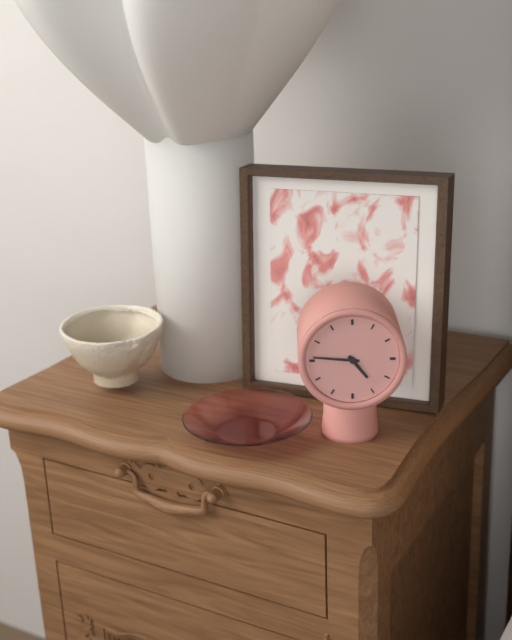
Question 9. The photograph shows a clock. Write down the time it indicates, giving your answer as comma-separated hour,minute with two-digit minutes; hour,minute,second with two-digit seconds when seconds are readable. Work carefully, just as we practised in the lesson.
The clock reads 4,46
